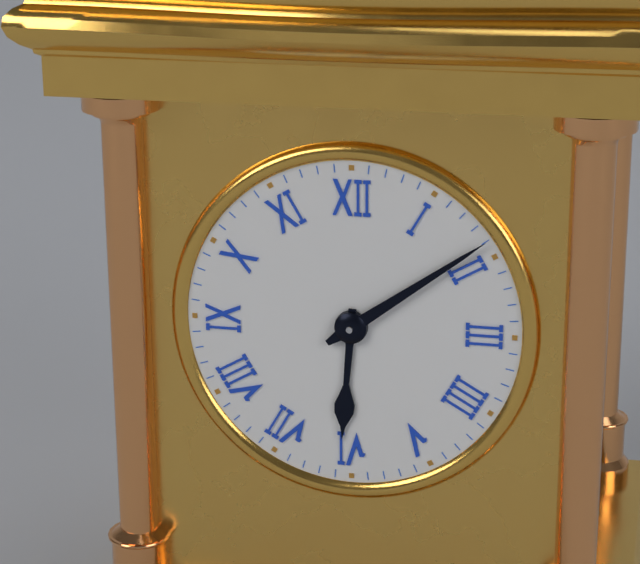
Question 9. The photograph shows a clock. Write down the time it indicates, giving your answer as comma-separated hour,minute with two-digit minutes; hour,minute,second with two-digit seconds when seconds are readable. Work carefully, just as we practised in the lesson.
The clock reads 6,09
